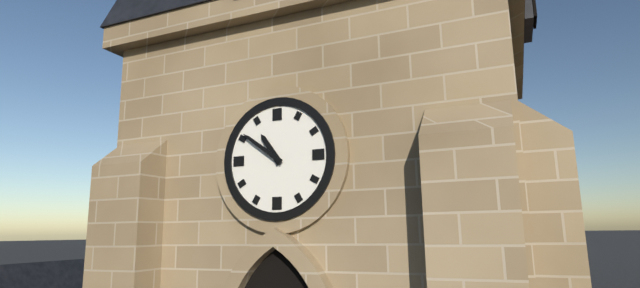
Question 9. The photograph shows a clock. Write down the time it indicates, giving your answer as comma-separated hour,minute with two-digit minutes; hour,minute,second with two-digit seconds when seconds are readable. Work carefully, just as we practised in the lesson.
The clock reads 10,51
